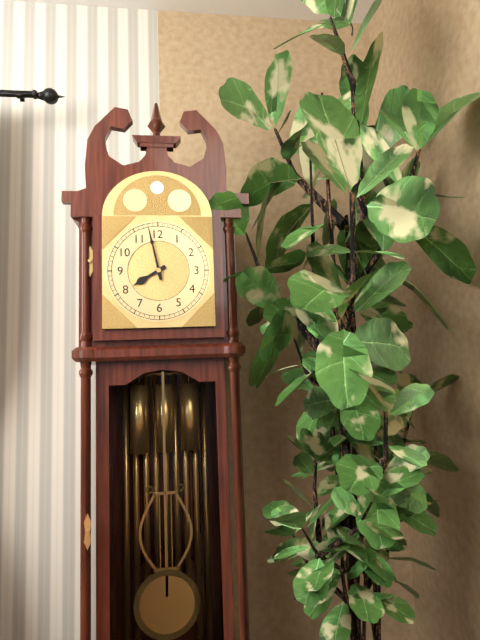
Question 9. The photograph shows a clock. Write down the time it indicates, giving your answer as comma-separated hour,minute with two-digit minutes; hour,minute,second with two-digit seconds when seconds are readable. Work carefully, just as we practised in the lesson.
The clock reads 7,58
